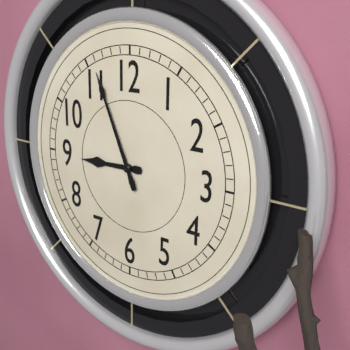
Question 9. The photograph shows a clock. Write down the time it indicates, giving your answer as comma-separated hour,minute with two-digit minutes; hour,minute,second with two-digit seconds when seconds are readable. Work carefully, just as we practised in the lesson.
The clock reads 8,56
